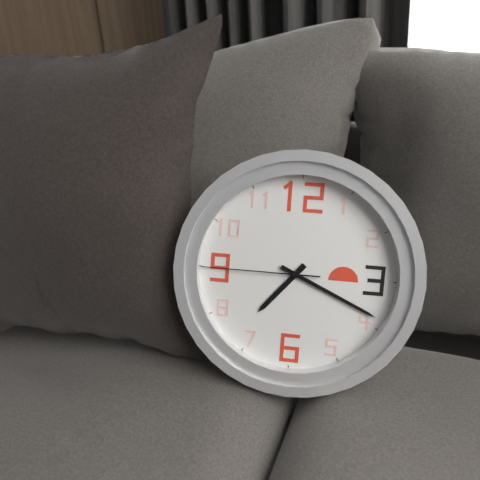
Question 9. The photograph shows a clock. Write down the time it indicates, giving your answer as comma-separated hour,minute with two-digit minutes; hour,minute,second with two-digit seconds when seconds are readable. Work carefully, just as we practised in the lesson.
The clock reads 7,19,45
